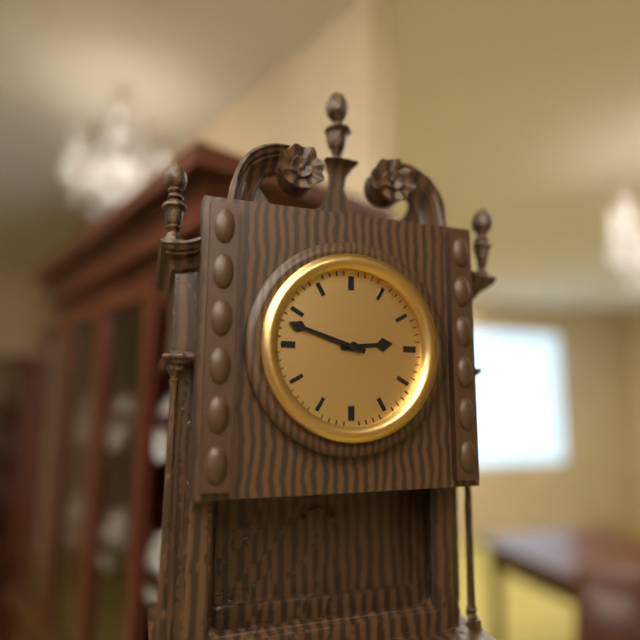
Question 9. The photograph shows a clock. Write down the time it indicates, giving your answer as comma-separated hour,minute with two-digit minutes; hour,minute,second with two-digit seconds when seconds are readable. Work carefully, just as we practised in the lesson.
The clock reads 2,48
